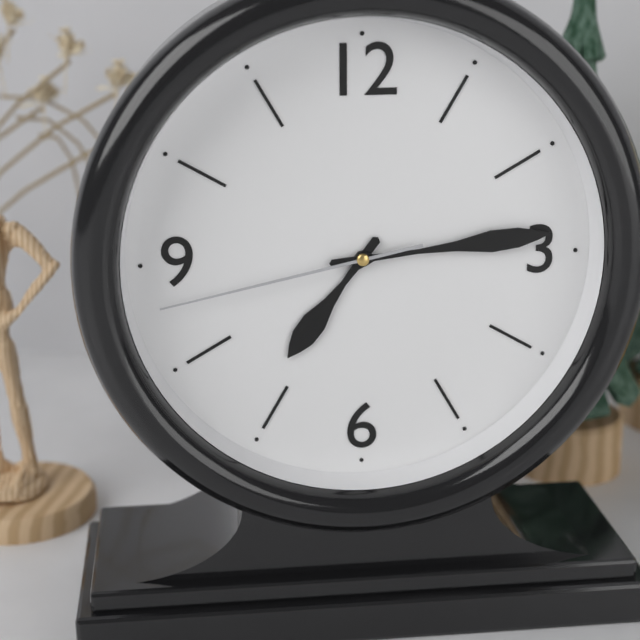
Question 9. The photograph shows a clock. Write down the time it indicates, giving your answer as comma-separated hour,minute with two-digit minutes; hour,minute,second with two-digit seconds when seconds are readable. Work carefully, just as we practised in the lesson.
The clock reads 7,14,43
